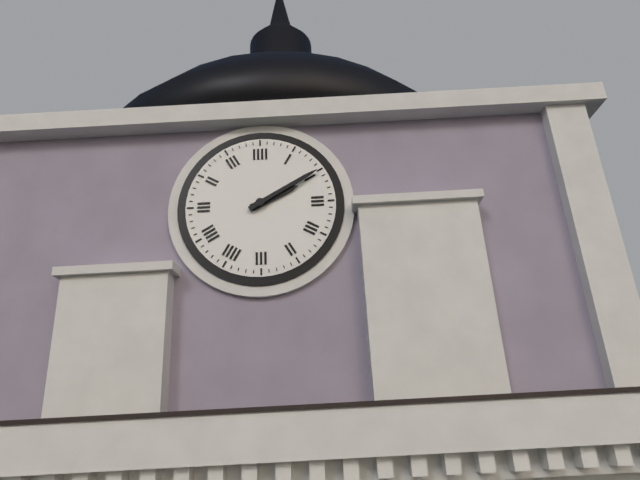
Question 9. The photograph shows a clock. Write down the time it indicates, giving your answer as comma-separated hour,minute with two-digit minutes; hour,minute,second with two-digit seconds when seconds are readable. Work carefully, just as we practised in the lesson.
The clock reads 2,10
